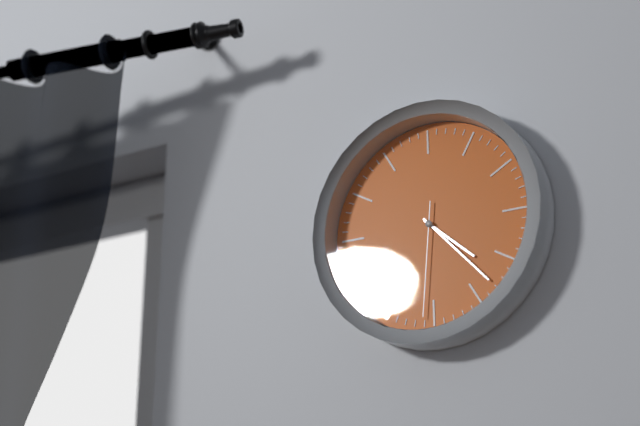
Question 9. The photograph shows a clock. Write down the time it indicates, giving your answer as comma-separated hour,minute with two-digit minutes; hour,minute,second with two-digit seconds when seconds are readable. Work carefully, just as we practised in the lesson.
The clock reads 4,23,31
